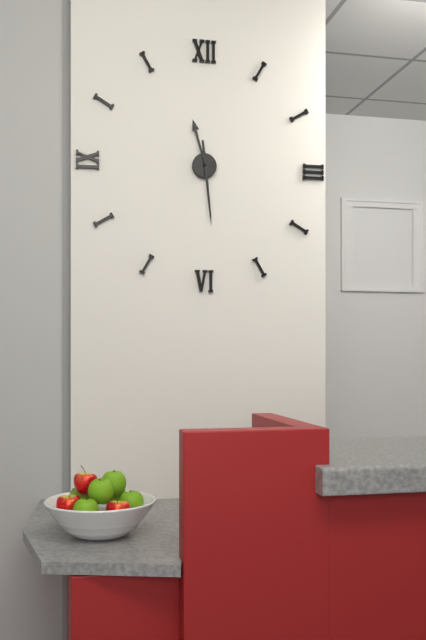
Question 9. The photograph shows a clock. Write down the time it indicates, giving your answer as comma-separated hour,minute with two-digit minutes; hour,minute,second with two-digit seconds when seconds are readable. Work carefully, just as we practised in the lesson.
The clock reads 11,29
